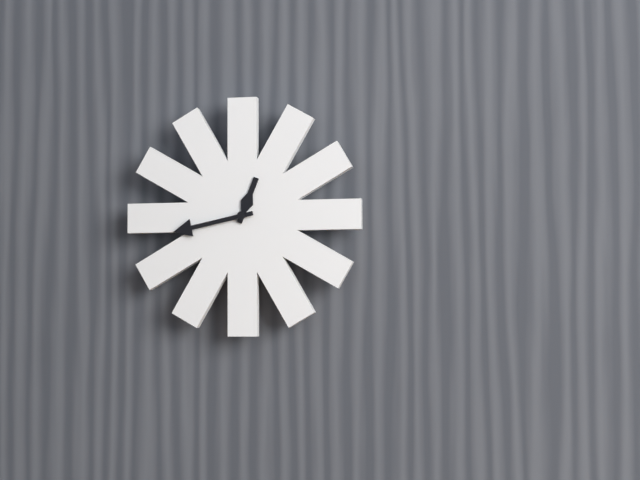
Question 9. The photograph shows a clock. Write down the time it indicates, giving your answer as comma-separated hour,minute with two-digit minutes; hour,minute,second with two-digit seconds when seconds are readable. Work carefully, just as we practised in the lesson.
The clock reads 12,43
